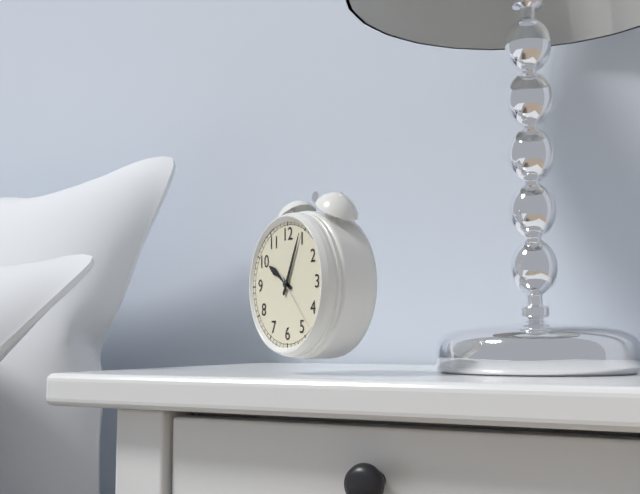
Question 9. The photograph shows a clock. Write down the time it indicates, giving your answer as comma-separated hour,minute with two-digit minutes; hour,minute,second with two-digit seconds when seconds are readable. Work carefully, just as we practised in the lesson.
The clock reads 10,04,23
